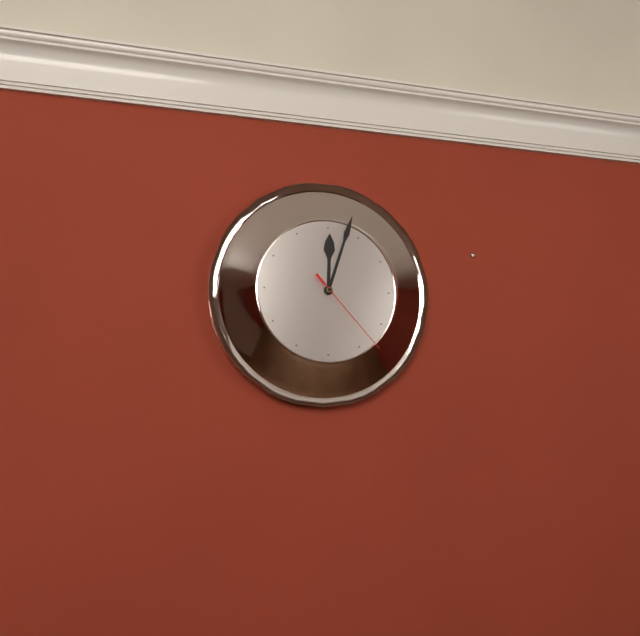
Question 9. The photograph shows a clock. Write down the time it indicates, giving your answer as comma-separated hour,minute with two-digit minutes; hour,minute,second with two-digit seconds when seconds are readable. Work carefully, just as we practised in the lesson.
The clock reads 12,03,23
